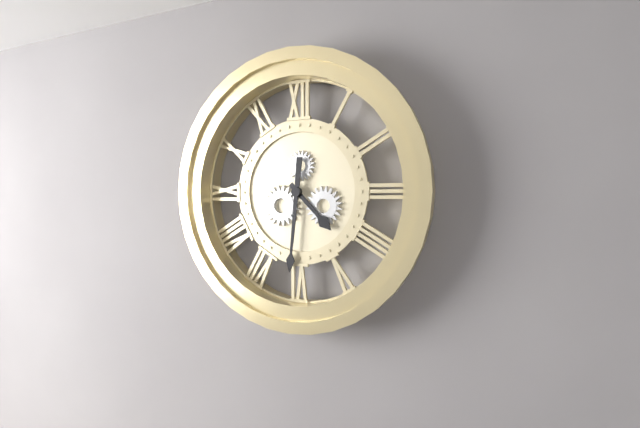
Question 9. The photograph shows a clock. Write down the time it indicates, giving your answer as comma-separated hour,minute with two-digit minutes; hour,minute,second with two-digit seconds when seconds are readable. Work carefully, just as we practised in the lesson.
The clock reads 4,31
